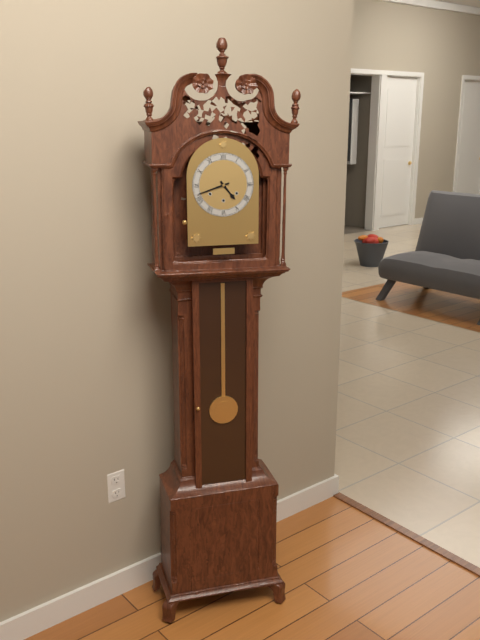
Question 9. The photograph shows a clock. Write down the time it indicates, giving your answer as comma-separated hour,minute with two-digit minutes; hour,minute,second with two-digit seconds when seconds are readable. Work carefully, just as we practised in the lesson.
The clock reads 4,42
